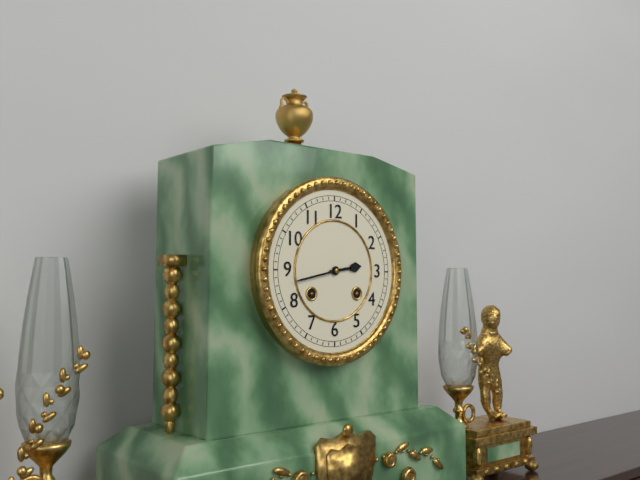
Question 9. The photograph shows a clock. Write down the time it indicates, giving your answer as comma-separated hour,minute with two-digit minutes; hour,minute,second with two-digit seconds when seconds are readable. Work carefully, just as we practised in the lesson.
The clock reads 2,43
